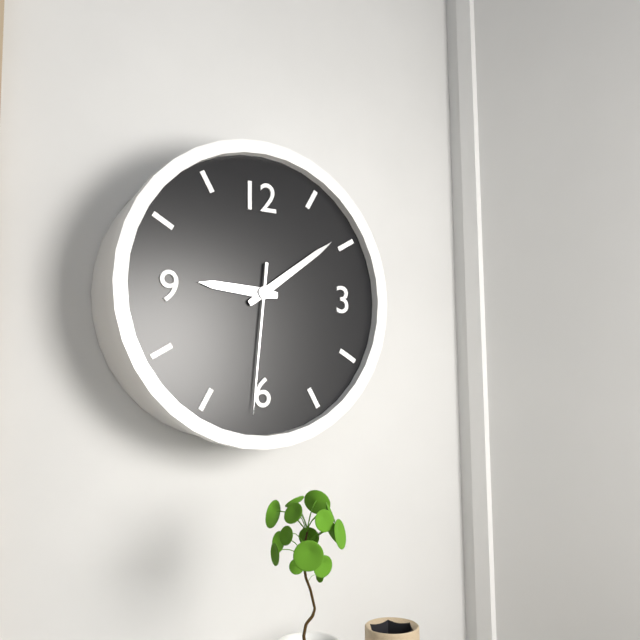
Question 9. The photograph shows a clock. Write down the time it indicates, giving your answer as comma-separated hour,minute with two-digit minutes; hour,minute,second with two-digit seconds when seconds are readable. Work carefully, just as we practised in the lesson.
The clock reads 9,09,31
